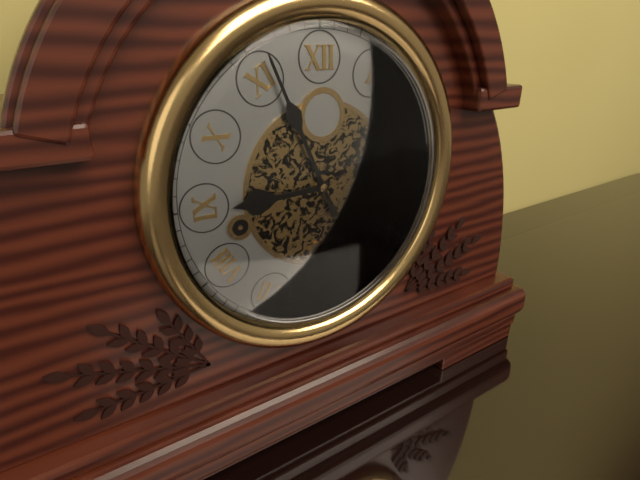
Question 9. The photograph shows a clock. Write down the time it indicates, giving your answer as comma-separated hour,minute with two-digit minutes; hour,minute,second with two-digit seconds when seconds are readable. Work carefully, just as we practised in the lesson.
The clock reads 8,56
